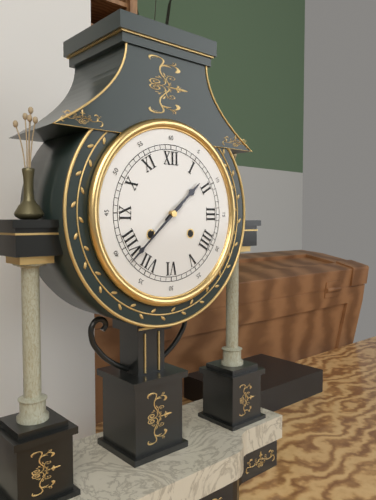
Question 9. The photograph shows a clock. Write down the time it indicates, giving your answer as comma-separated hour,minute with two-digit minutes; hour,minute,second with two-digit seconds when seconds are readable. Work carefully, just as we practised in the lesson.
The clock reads 1,38
